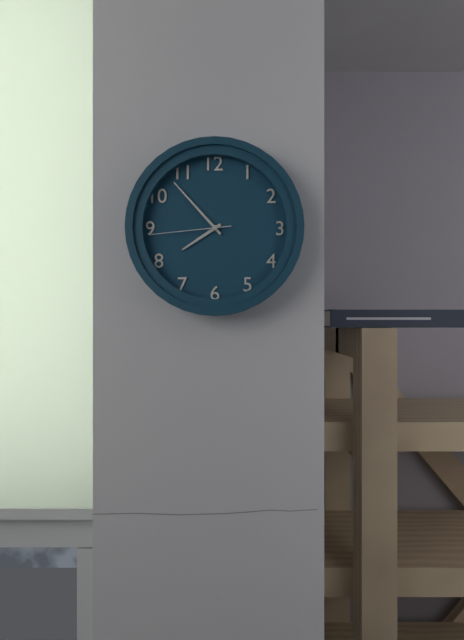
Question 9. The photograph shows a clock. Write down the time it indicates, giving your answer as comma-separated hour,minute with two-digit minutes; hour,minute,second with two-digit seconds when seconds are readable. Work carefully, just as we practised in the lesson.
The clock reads 7,53,44
